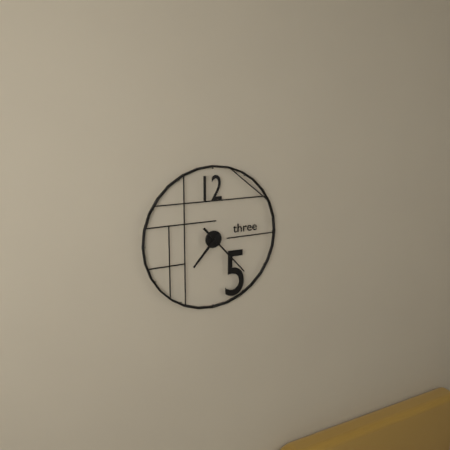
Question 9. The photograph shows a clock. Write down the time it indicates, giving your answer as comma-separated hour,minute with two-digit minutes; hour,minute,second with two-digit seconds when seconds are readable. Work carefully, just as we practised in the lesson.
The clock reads 7,23
